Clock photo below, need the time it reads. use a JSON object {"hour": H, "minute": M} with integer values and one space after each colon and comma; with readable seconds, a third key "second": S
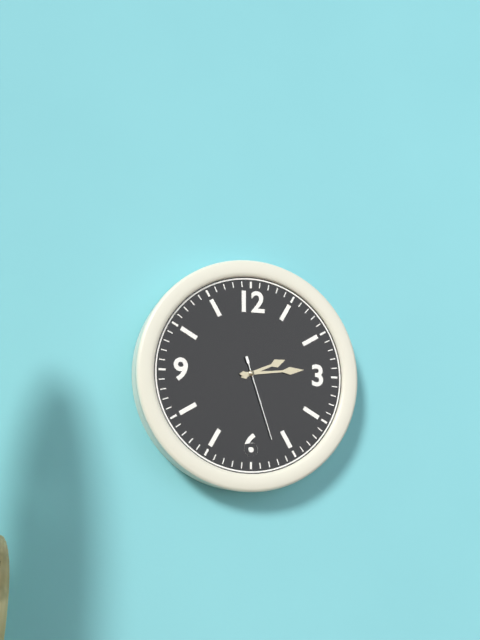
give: {"hour": 2, "minute": 14, "second": 27}
